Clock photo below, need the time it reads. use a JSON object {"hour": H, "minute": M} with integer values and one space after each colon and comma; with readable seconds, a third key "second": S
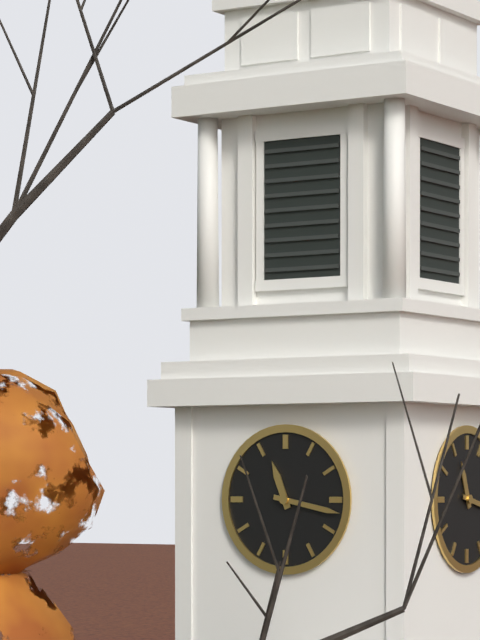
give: {"hour": 11, "minute": 17}
